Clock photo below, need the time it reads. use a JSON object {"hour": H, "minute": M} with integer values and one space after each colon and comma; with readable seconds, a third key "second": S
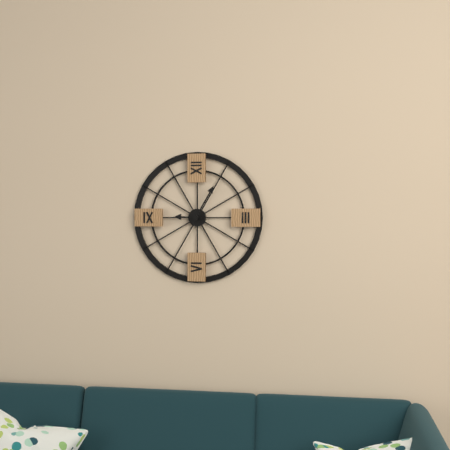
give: {"hour": 9, "minute": 5}
